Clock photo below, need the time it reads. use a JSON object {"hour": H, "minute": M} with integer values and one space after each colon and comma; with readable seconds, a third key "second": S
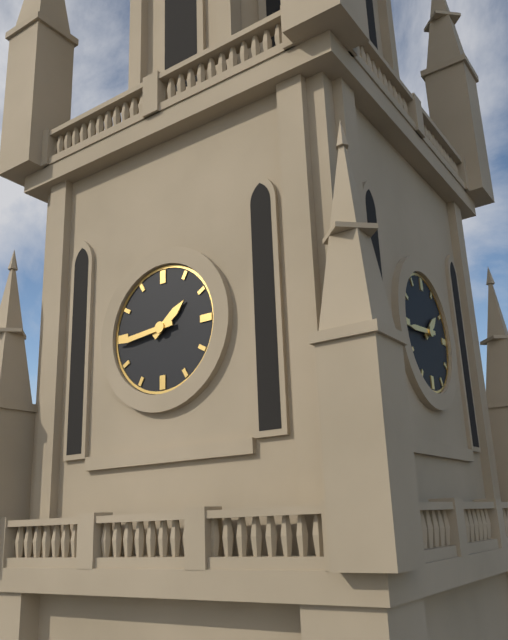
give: {"hour": 1, "minute": 44}
